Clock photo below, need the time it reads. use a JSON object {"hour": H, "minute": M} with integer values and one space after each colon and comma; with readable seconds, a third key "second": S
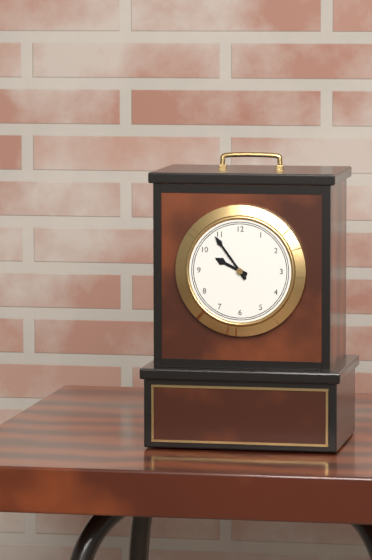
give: {"hour": 9, "minute": 54}
